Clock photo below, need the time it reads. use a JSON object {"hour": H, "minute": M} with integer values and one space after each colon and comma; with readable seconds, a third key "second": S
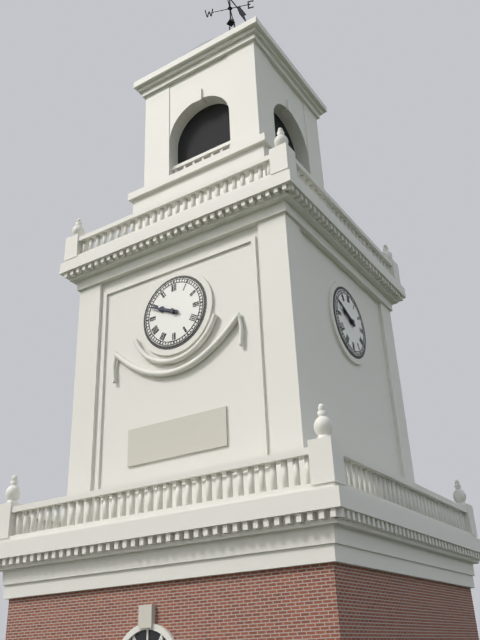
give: {"hour": 9, "minute": 49}
